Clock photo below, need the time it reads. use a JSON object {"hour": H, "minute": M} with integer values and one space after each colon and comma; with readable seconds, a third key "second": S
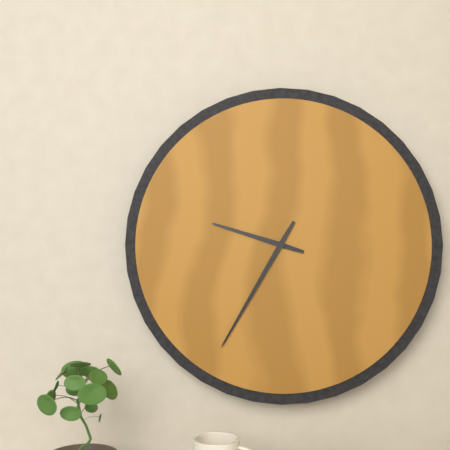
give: {"hour": 9, "minute": 35}
